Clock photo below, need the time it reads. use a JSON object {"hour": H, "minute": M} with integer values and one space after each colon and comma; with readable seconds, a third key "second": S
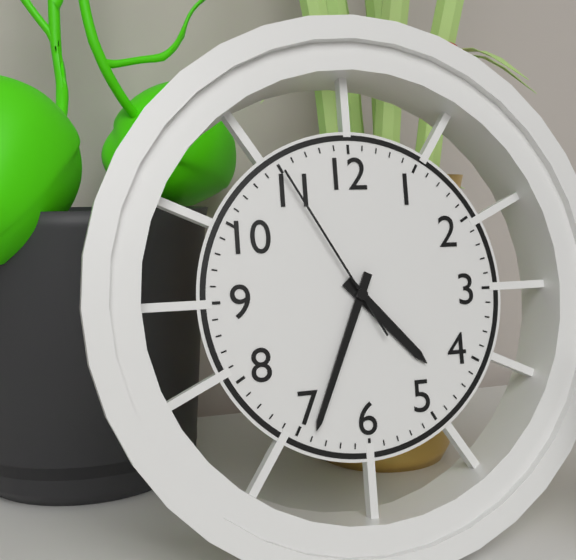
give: {"hour": 4, "minute": 34, "second": 55}
